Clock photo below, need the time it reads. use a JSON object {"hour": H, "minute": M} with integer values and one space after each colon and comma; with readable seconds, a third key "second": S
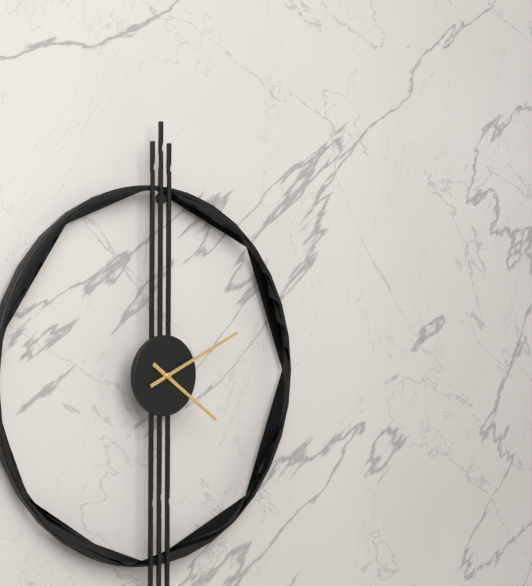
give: {"hour": 4, "minute": 11}
